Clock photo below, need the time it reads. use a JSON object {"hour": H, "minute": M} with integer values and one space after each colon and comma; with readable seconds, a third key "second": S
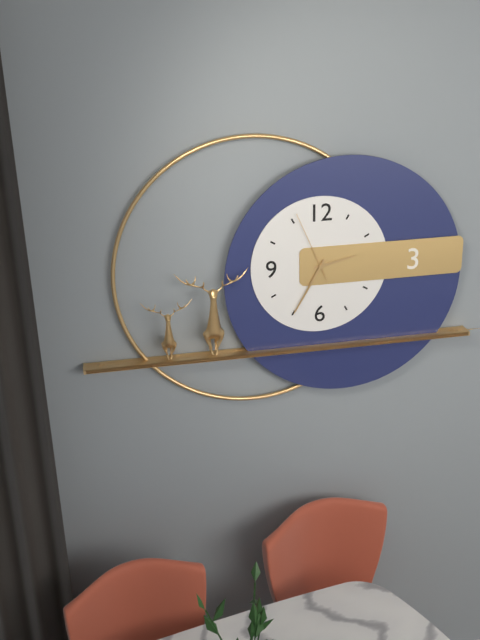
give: {"hour": 2, "minute": 35, "second": 56}
